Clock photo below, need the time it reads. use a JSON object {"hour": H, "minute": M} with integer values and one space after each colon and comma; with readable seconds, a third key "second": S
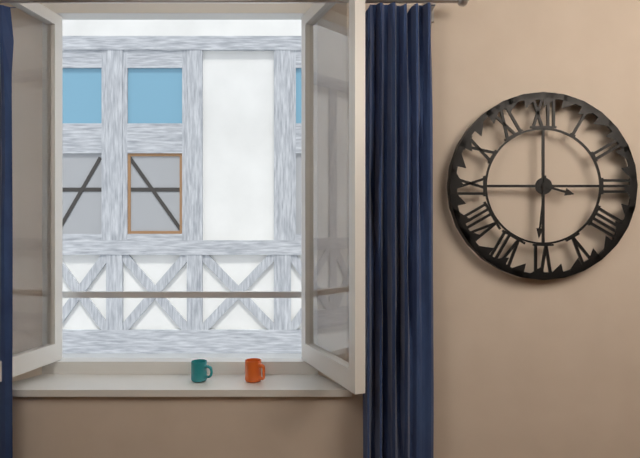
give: {"hour": 3, "minute": 31}
